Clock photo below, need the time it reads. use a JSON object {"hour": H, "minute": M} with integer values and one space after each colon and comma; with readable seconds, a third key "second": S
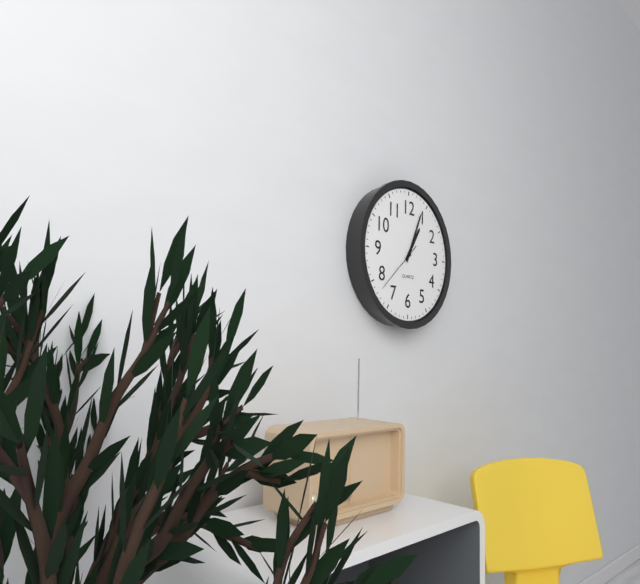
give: {"hour": 1, "minute": 4, "second": 38}
